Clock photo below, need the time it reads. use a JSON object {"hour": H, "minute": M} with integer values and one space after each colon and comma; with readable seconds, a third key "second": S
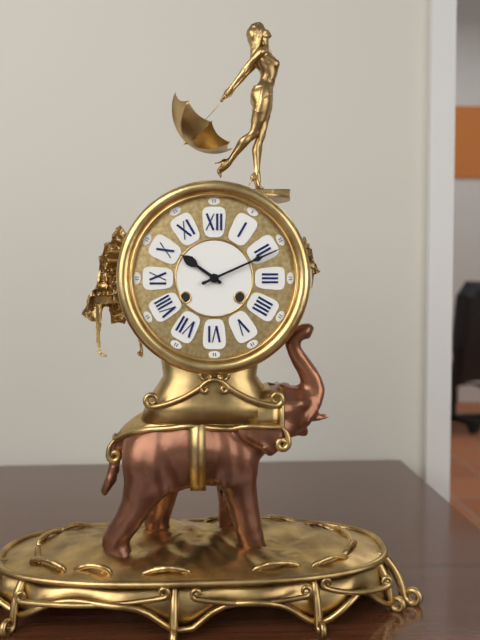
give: {"hour": 10, "minute": 11}
